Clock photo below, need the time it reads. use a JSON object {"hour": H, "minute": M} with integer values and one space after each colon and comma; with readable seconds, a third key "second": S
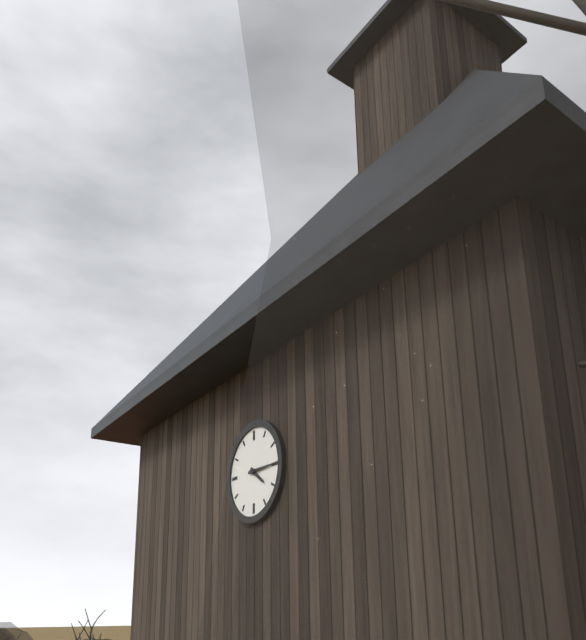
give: {"hour": 4, "minute": 15}
